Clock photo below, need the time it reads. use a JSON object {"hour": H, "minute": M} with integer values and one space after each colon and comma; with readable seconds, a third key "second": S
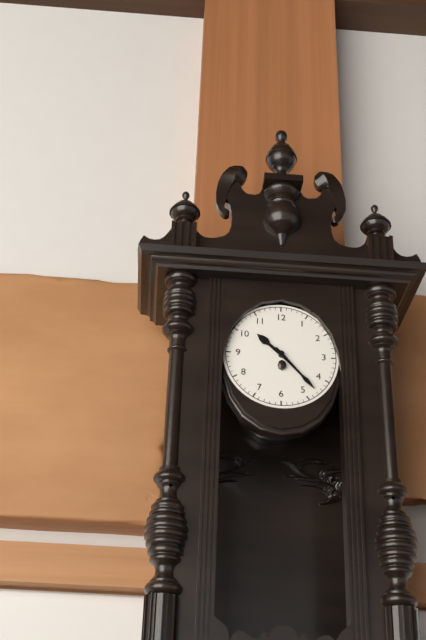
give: {"hour": 10, "minute": 23}
